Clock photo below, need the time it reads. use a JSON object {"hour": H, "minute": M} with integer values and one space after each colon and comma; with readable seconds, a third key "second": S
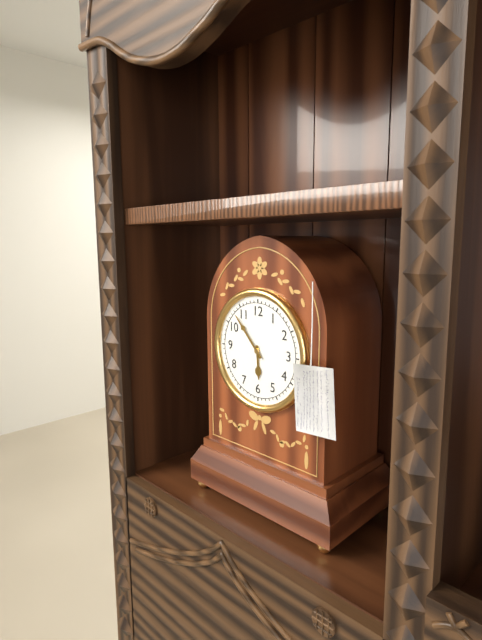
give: {"hour": 5, "minute": 53}
